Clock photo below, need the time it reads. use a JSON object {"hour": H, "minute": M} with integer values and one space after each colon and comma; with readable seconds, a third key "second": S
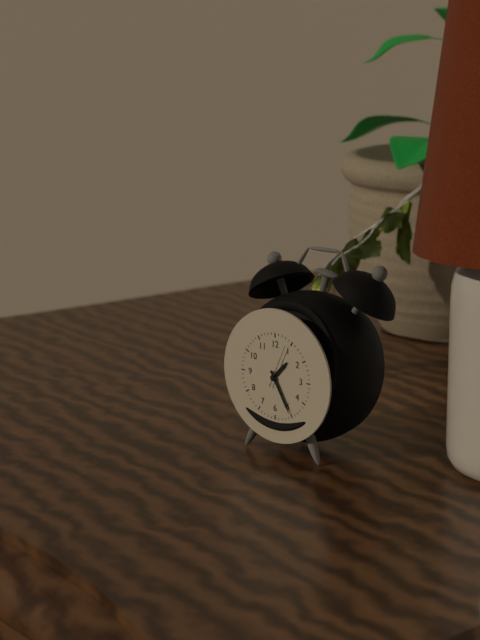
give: {"hour": 1, "minute": 25}
